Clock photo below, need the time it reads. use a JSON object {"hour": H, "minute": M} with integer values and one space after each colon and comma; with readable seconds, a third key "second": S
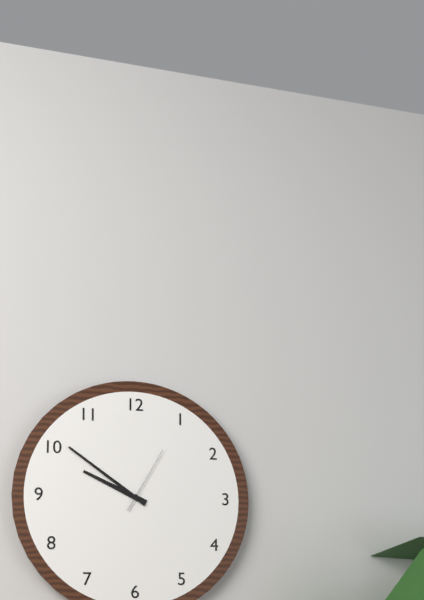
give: {"hour": 9, "minute": 51, "second": 5}
